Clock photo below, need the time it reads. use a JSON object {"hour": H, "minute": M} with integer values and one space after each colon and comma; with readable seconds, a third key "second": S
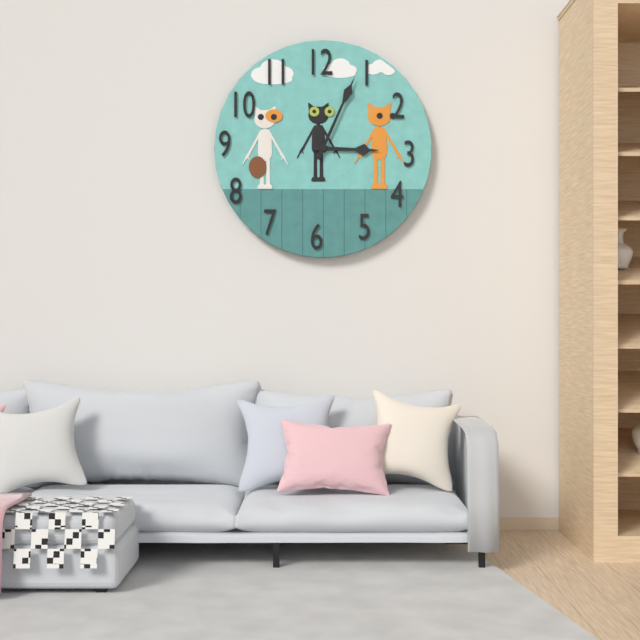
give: {"hour": 3, "minute": 4}
